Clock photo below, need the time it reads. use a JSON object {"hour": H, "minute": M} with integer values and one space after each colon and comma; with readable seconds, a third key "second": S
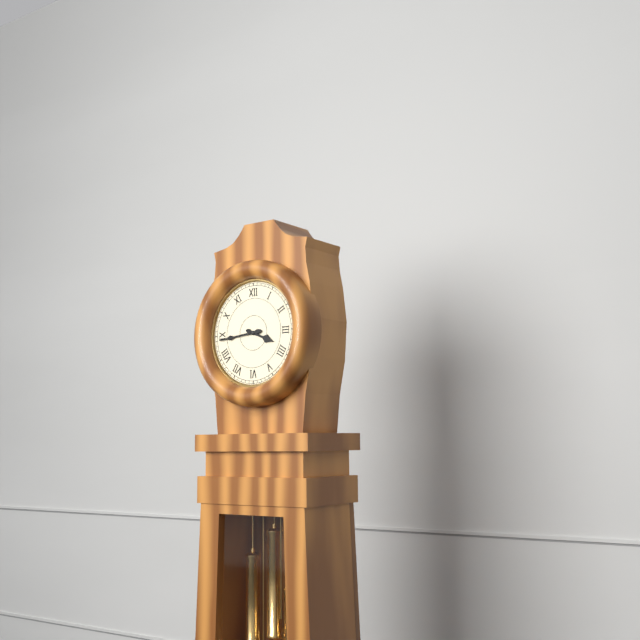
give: {"hour": 3, "minute": 44}
